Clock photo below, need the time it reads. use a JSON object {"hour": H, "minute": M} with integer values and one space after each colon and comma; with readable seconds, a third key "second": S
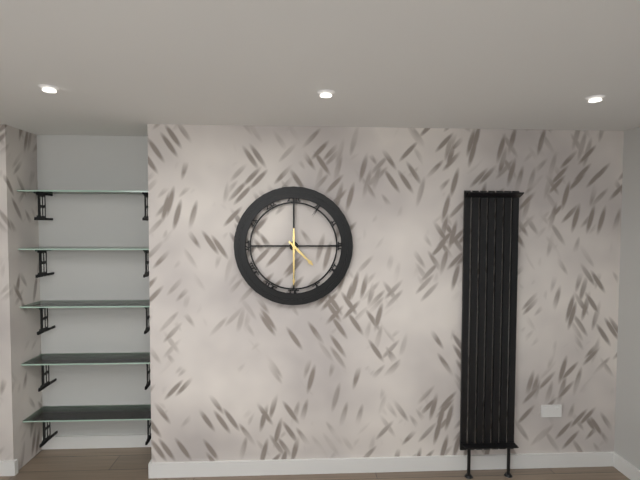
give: {"hour": 4, "minute": 30}
